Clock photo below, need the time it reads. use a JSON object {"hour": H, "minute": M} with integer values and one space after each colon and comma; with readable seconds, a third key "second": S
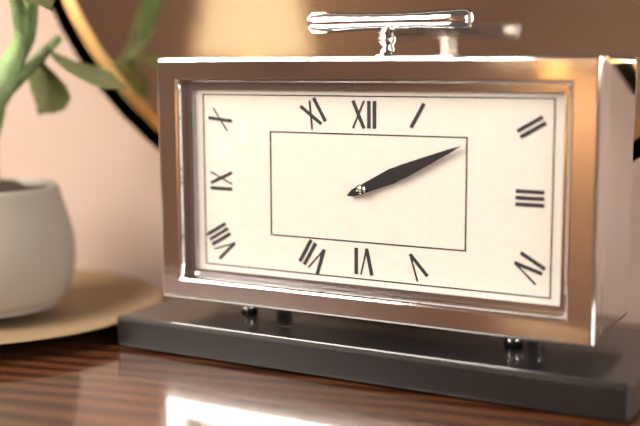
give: {"hour": 2, "minute": 11}
